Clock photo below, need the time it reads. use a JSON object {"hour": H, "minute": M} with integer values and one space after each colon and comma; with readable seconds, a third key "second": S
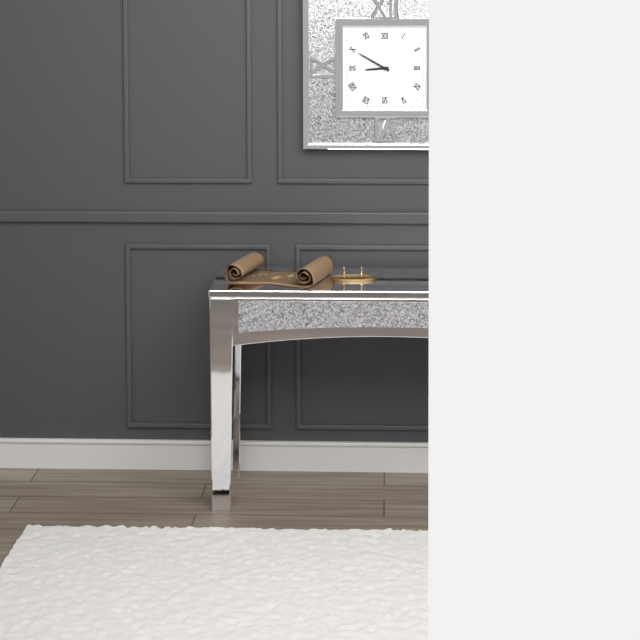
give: {"hour": 8, "minute": 50}
